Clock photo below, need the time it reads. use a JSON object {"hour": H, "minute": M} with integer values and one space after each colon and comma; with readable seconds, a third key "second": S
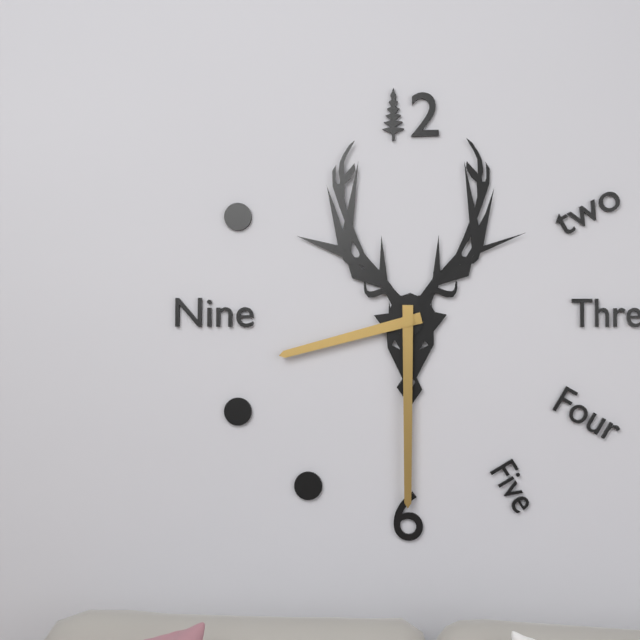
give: {"hour": 8, "minute": 30}
